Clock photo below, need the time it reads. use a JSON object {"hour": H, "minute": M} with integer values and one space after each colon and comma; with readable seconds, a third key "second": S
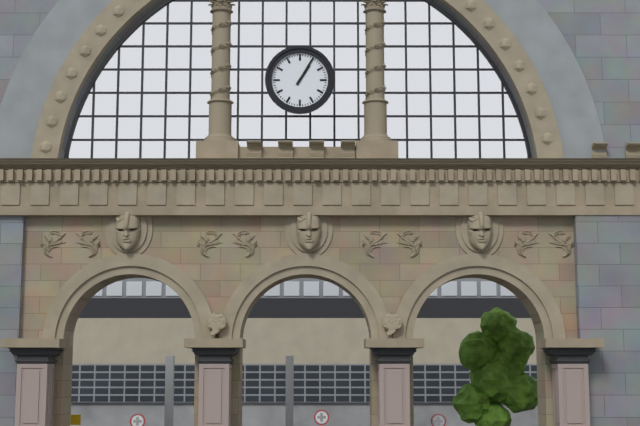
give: {"hour": 1, "minute": 5}
